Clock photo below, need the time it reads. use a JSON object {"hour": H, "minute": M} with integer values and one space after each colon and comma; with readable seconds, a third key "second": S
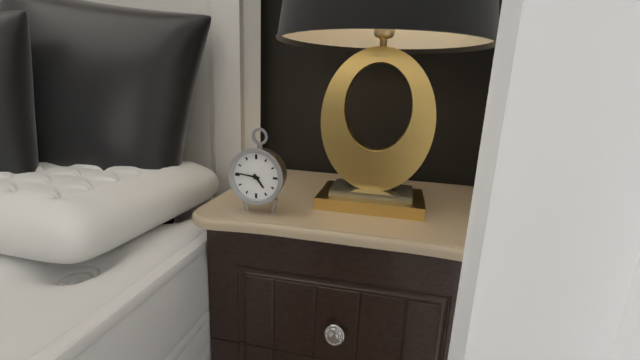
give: {"hour": 4, "minute": 46}
